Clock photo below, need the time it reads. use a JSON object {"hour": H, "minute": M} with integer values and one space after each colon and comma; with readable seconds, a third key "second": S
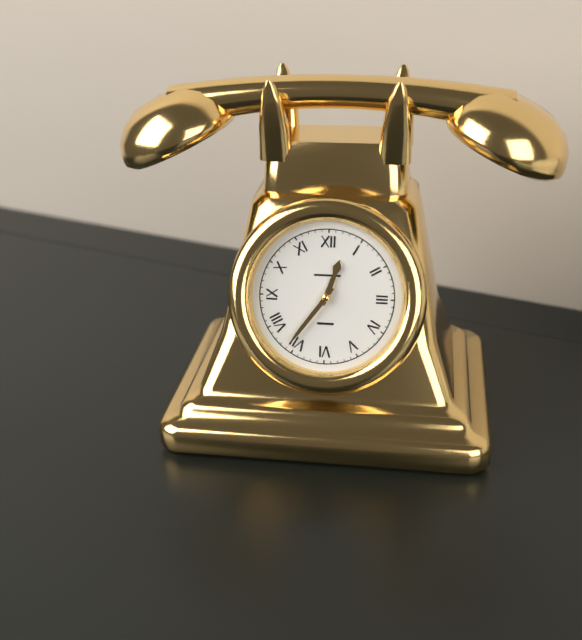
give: {"hour": 12, "minute": 36}
